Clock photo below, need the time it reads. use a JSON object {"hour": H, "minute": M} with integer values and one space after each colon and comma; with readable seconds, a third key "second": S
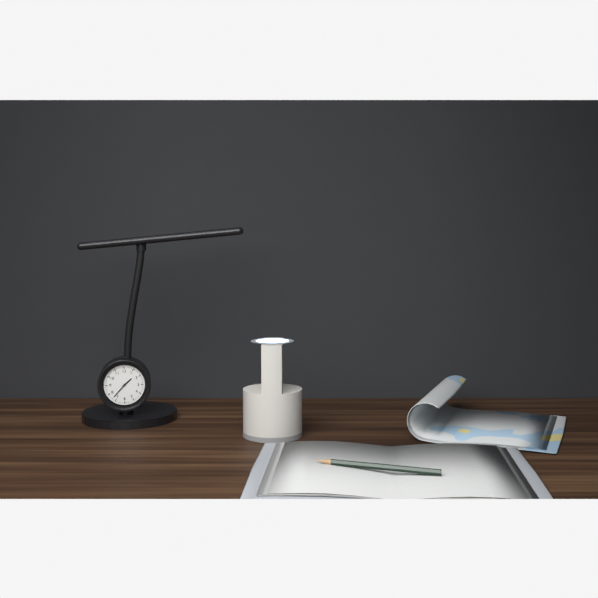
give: {"hour": 1, "minute": 37}
